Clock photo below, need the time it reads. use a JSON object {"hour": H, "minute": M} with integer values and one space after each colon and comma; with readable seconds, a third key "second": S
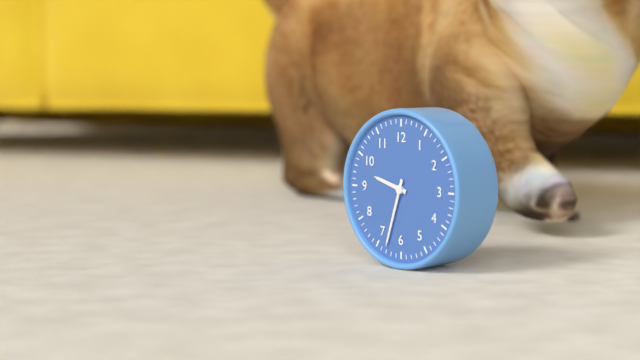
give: {"hour": 9, "minute": 33}
